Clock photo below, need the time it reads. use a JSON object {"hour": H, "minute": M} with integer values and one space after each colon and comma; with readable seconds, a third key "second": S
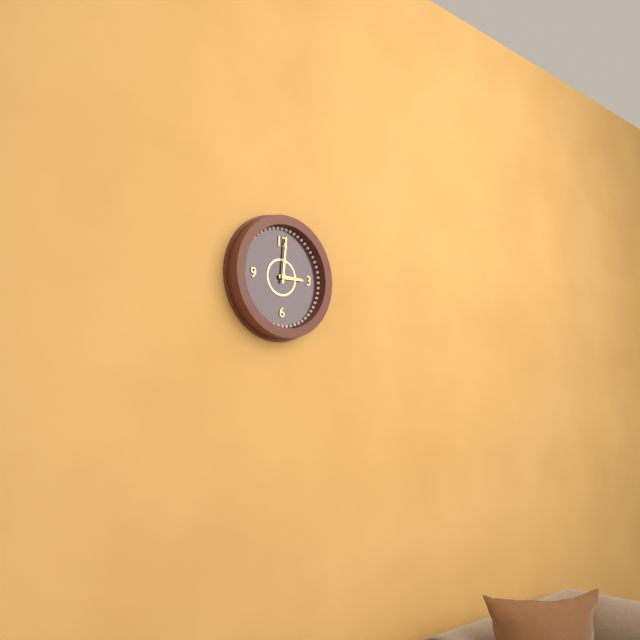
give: {"hour": 3, "minute": 1}
